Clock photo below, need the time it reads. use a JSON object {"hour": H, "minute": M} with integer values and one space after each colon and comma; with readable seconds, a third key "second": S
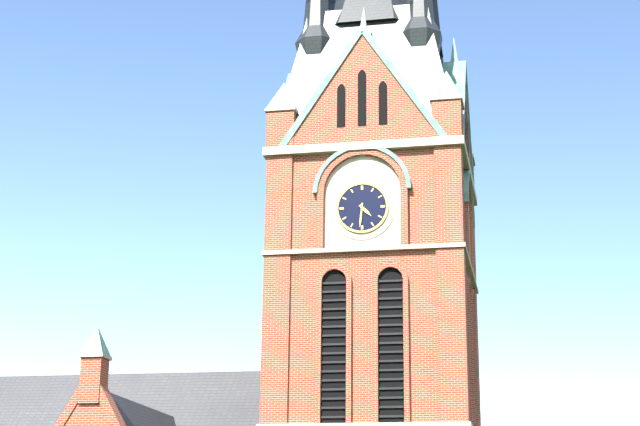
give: {"hour": 4, "minute": 31}
